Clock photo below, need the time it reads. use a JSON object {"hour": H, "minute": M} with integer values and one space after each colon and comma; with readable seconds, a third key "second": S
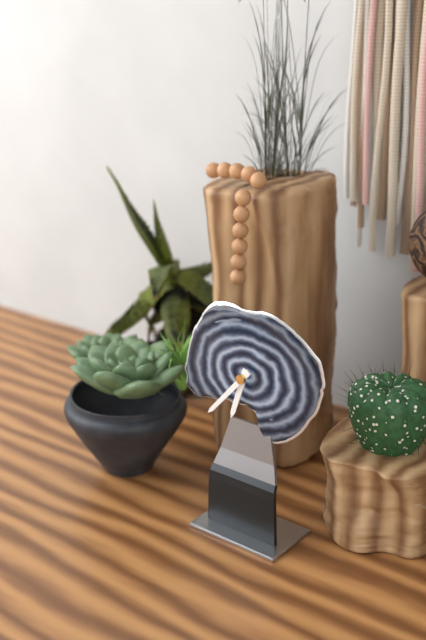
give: {"hour": 6, "minute": 37}
